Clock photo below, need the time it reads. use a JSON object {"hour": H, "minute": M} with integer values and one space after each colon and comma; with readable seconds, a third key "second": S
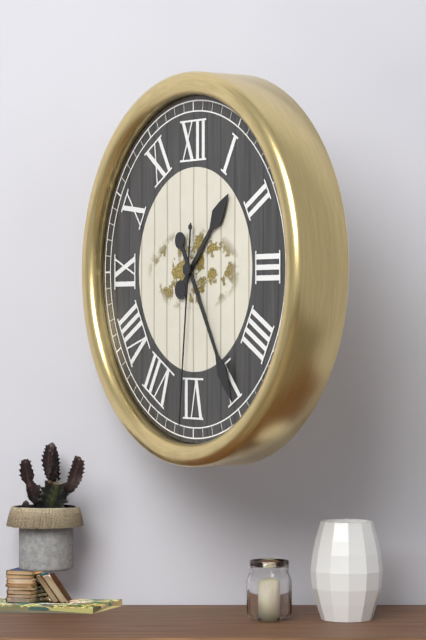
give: {"hour": 1, "minute": 25, "second": 31}
